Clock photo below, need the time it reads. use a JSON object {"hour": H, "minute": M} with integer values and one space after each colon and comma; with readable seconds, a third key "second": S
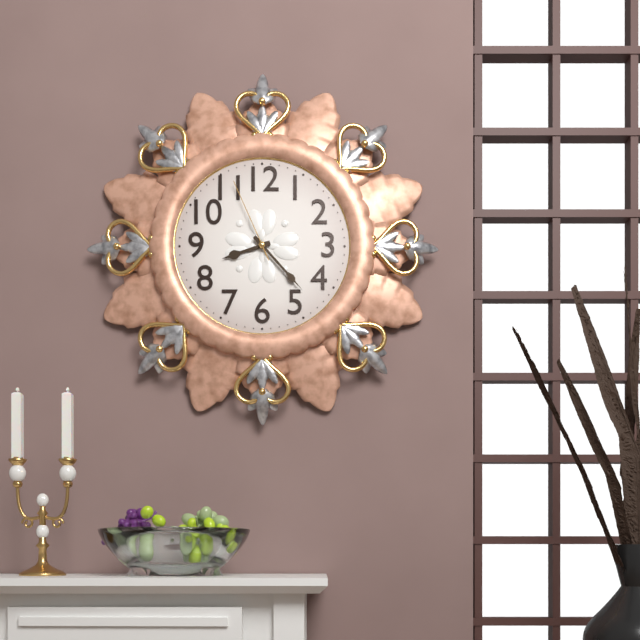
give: {"hour": 8, "minute": 23, "second": 56}
